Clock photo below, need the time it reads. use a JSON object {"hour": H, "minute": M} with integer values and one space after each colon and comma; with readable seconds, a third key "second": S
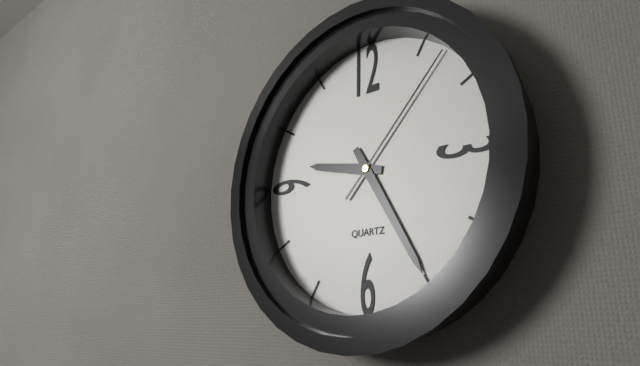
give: {"hour": 9, "minute": 25, "second": 7}
